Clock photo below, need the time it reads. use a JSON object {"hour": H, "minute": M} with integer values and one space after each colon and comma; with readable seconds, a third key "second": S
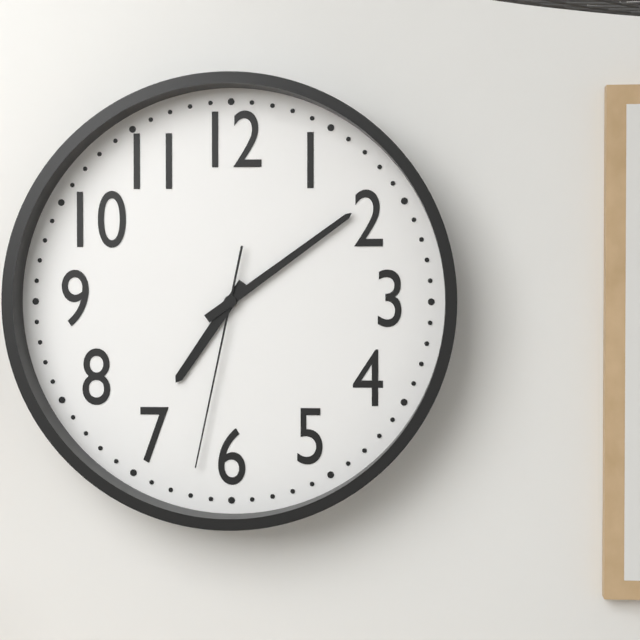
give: {"hour": 7, "minute": 9, "second": 32}
